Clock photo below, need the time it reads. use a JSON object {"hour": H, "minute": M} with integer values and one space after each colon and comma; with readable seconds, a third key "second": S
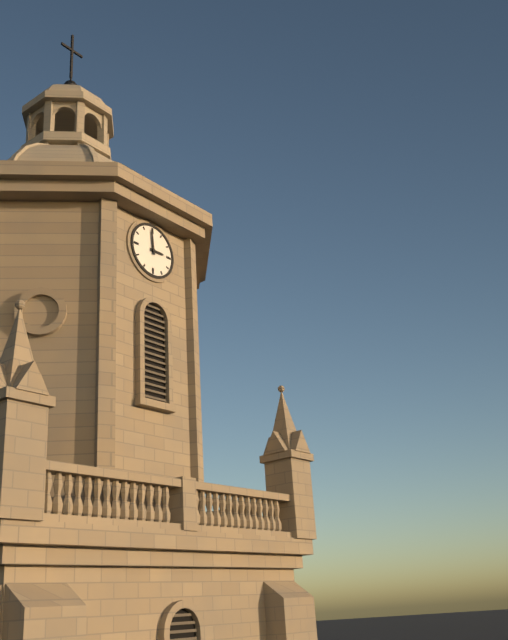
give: {"hour": 2, "minute": 59}
